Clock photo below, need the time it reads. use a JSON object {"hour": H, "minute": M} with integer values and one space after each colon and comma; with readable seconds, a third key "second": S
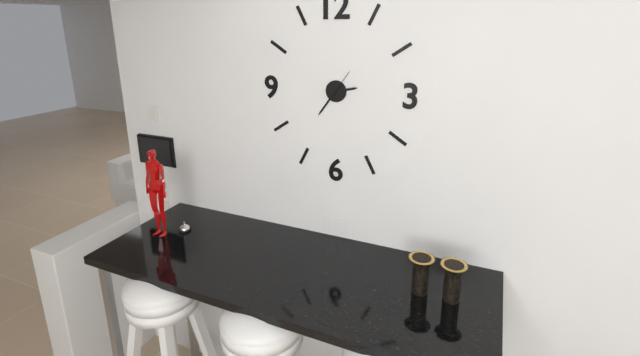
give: {"hour": 2, "minute": 36}
